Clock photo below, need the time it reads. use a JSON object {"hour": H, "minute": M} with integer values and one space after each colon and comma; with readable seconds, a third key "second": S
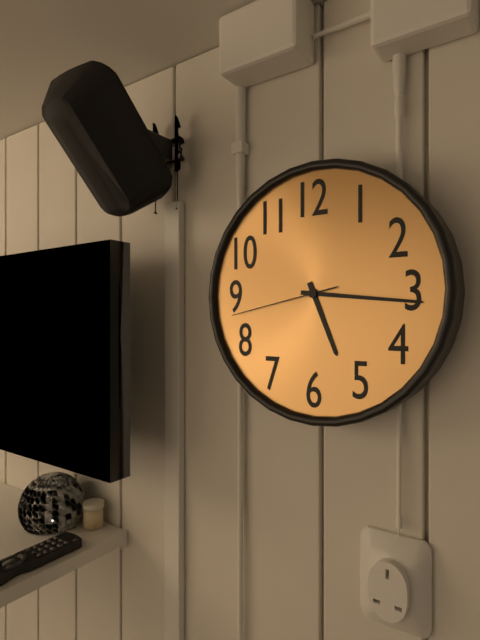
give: {"hour": 5, "minute": 16, "second": 43}
